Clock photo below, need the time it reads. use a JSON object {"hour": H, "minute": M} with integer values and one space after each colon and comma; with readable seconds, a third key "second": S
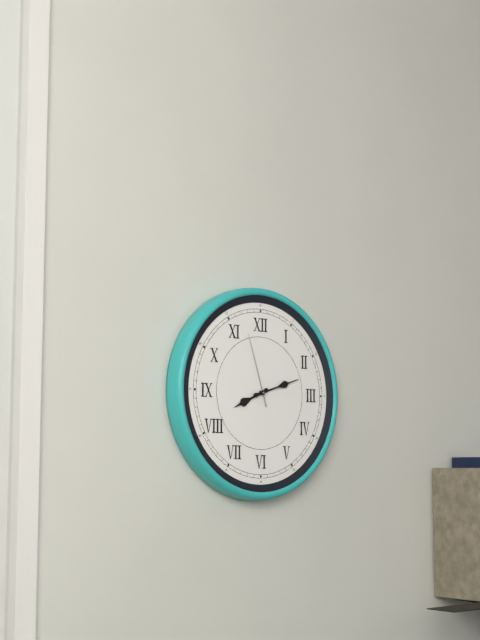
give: {"hour": 8, "minute": 12, "second": 57}
